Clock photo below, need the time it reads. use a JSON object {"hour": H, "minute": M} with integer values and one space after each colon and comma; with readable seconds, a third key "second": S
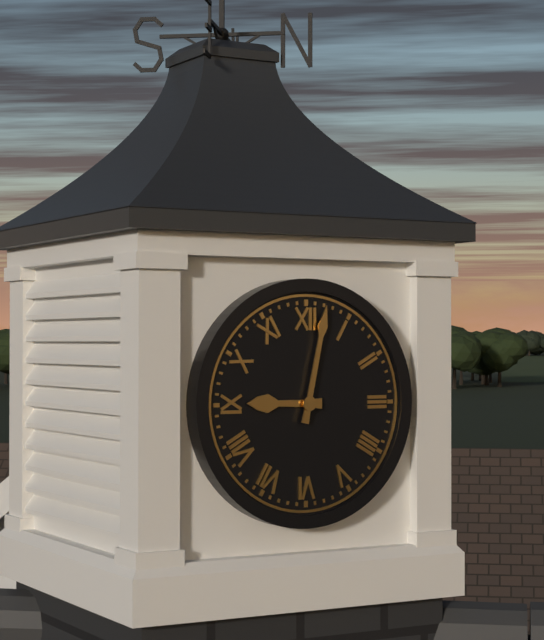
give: {"hour": 9, "minute": 2}
